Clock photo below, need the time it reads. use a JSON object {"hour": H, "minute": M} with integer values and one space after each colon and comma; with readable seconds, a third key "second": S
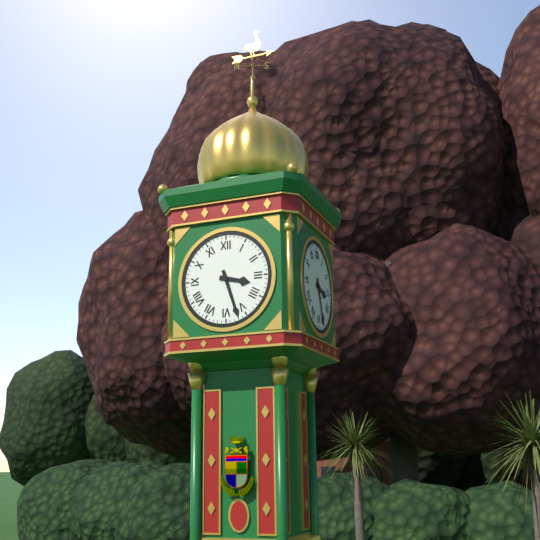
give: {"hour": 3, "minute": 27}
